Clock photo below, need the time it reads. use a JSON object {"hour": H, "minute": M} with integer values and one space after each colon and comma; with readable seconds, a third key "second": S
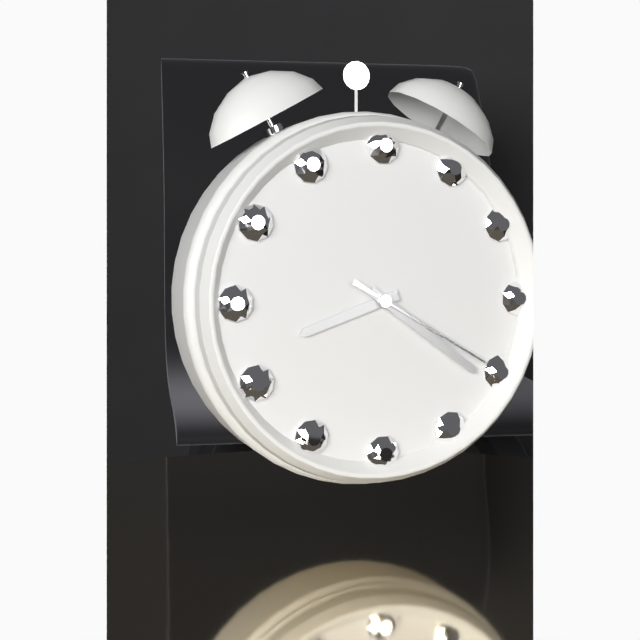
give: {"hour": 8, "minute": 21, "second": 20}
